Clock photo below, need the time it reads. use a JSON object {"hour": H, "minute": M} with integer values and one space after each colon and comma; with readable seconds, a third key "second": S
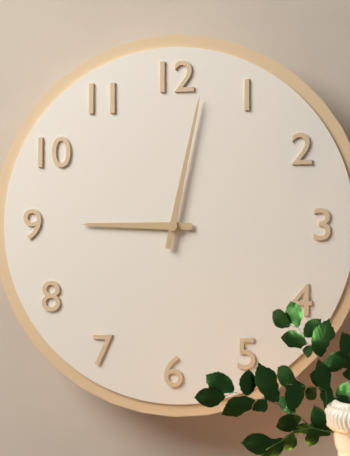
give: {"hour": 9, "minute": 2}
